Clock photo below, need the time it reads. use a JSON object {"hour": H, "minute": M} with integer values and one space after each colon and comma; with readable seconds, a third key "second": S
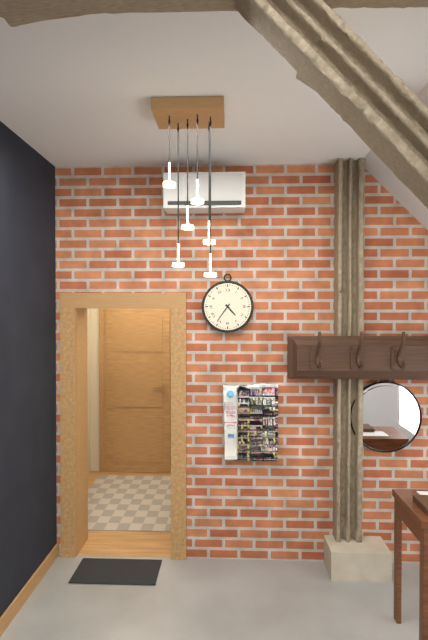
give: {"hour": 4, "minute": 36}
